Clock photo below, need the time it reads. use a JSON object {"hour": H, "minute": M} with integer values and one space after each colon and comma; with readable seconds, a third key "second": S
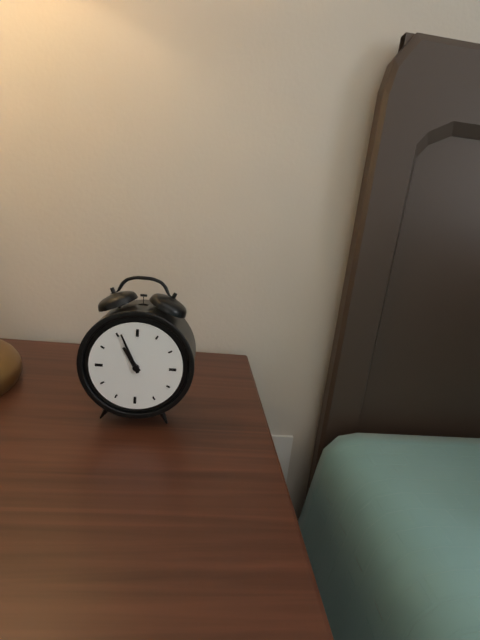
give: {"hour": 10, "minute": 56}
